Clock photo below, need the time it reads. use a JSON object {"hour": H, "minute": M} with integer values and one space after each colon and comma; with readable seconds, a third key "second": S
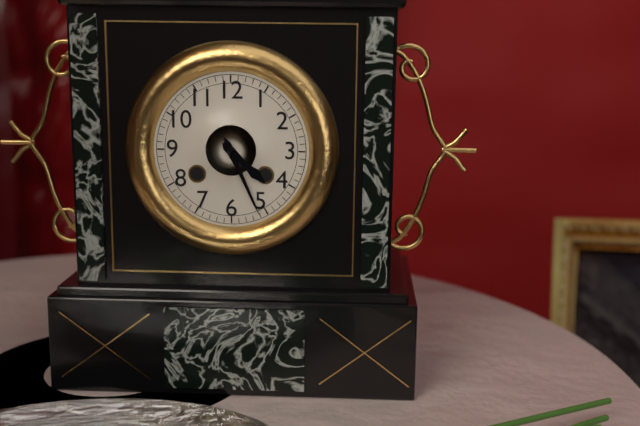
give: {"hour": 4, "minute": 26}
